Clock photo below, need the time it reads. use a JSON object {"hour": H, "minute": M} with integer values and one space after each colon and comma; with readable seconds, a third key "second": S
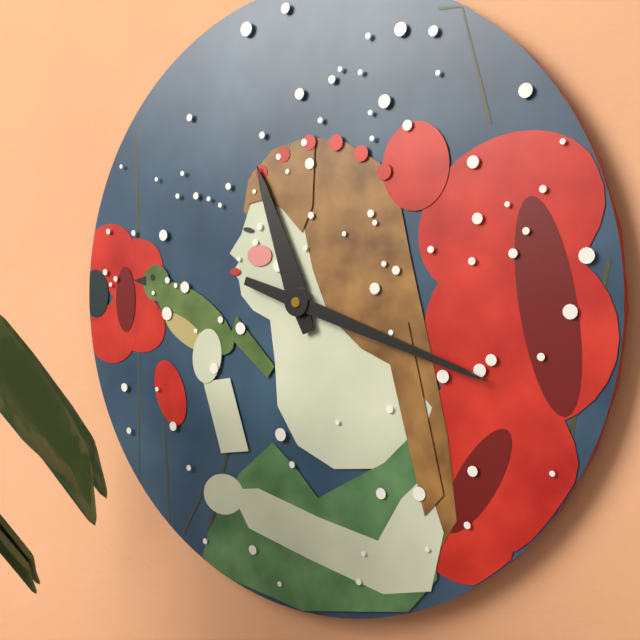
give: {"hour": 11, "minute": 18}
